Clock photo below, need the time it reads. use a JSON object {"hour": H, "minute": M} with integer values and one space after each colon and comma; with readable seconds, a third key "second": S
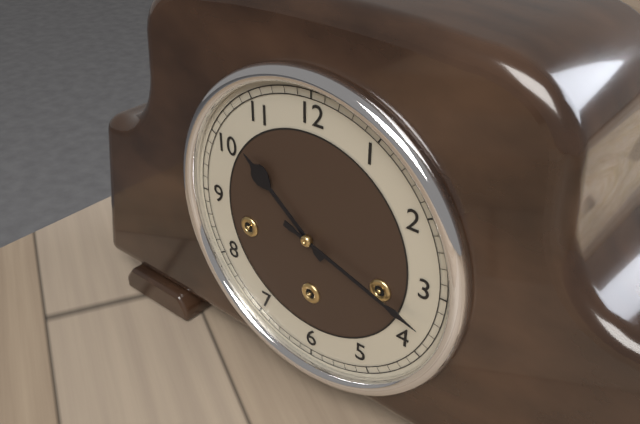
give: {"hour": 10, "minute": 18}
